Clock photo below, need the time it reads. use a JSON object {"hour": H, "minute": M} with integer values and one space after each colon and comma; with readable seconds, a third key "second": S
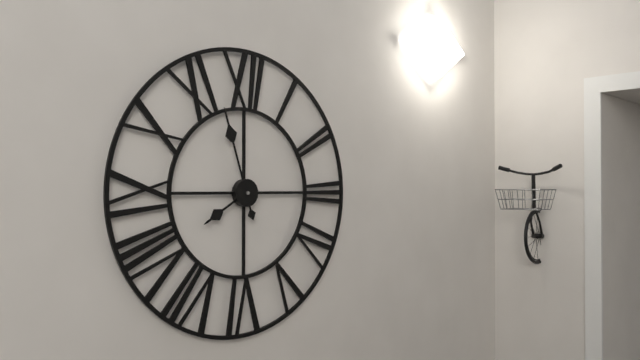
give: {"hour": 7, "minute": 57}
